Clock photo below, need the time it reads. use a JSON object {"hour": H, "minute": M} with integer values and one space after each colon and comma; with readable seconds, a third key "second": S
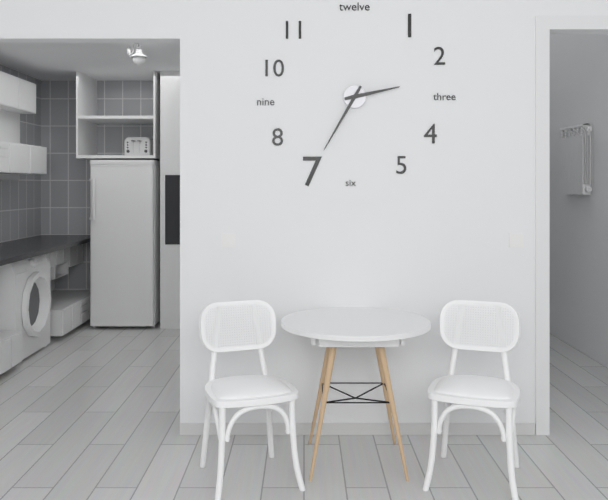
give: {"hour": 2, "minute": 35}
